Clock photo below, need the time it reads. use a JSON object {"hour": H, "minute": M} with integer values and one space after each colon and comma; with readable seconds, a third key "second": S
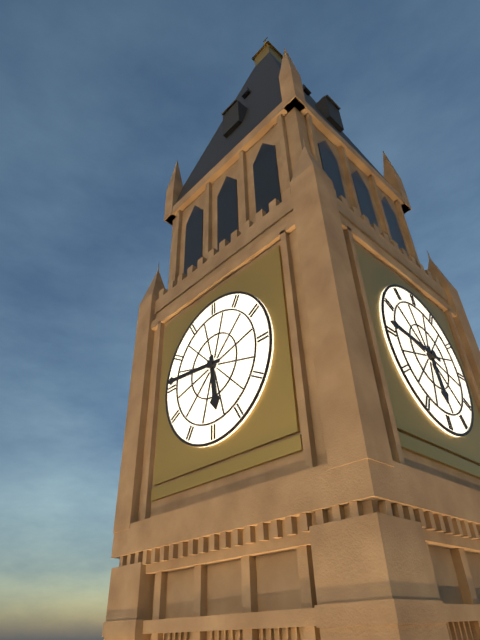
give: {"hour": 5, "minute": 46}
